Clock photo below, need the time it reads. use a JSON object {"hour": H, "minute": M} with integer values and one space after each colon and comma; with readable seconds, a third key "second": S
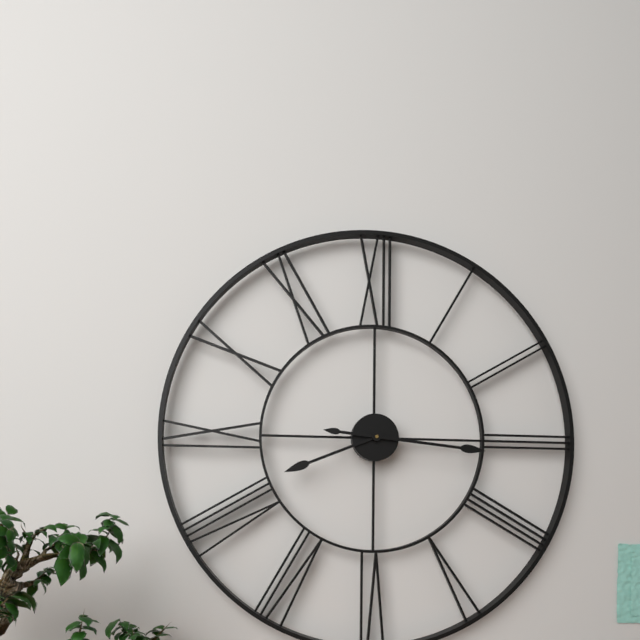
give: {"hour": 8, "minute": 16}
